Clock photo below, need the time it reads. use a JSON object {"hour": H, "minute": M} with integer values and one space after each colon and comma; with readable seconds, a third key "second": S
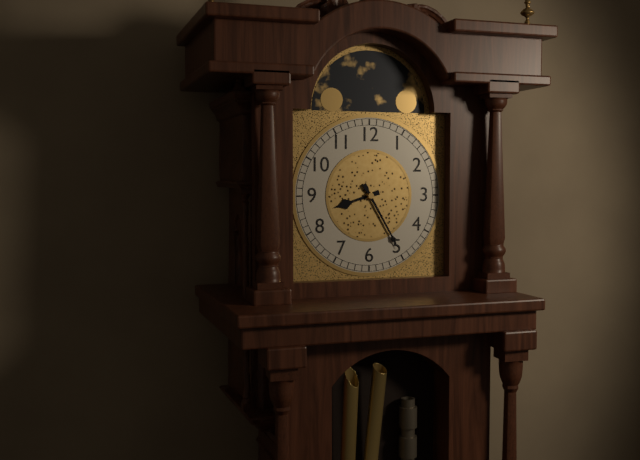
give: {"hour": 8, "minute": 25}
